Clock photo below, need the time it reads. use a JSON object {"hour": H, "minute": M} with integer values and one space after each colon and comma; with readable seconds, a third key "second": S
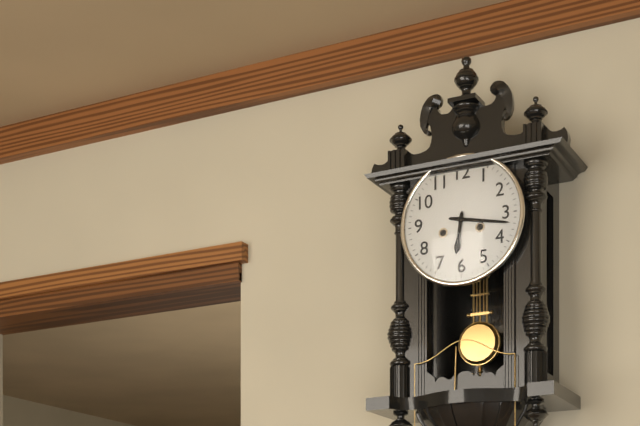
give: {"hour": 6, "minute": 17}
